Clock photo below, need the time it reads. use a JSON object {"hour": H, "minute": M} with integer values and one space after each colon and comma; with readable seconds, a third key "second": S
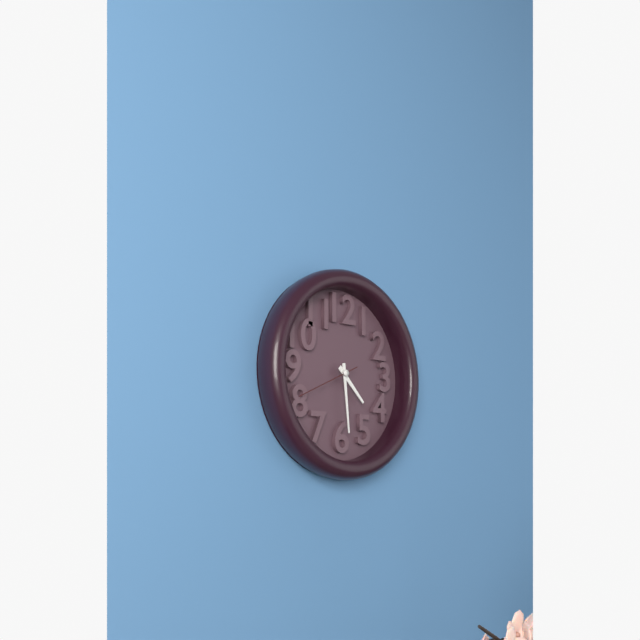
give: {"hour": 4, "minute": 29, "second": 41}
